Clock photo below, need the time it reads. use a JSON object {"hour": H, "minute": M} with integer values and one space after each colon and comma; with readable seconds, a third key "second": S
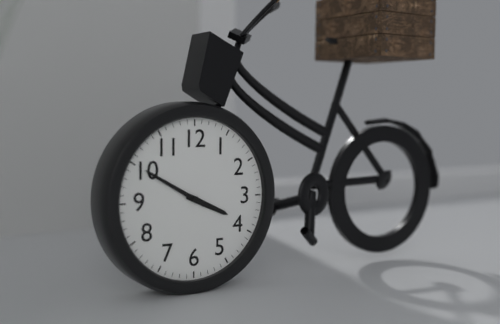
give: {"hour": 3, "minute": 50}
